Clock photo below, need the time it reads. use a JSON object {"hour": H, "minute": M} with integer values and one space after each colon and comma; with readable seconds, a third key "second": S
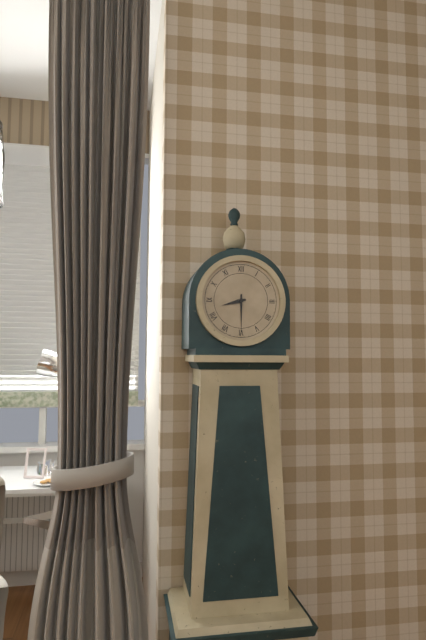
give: {"hour": 8, "minute": 30}
